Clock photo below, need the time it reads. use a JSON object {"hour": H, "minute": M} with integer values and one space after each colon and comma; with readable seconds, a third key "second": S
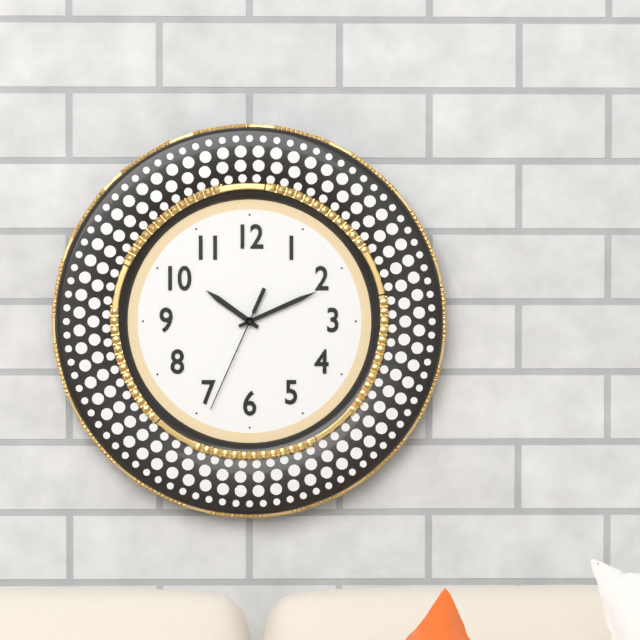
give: {"hour": 10, "minute": 11, "second": 34}
